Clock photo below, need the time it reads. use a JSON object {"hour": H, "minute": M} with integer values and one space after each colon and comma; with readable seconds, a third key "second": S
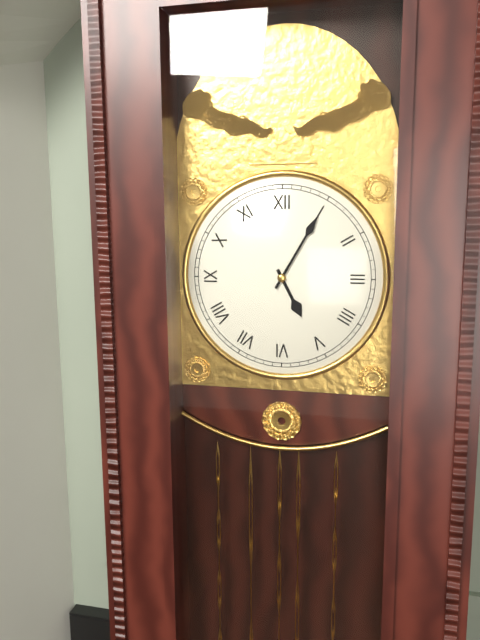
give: {"hour": 5, "minute": 5}
